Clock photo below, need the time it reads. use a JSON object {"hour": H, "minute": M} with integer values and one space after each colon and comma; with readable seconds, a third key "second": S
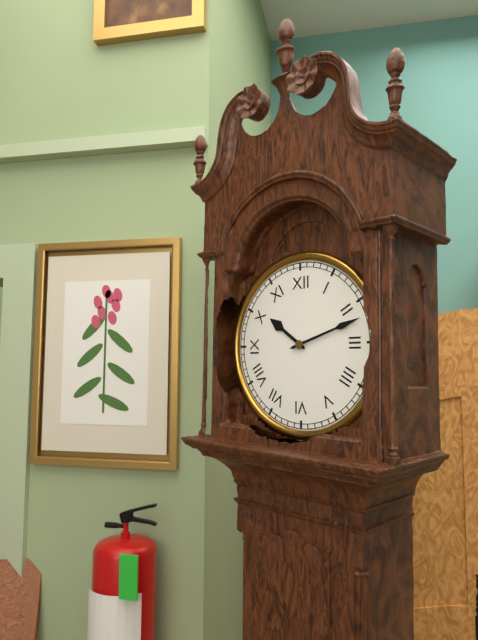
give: {"hour": 10, "minute": 12}
